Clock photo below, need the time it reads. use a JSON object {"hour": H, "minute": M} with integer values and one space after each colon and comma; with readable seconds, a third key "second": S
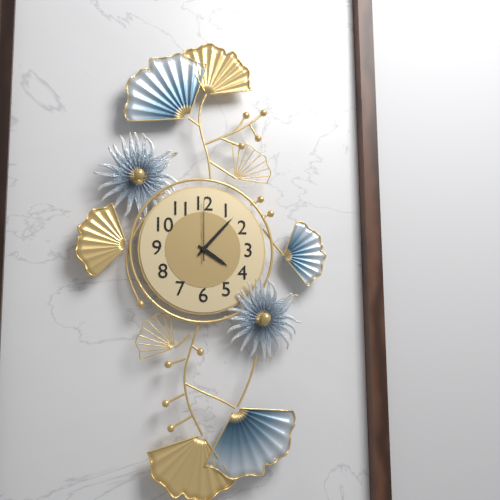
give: {"hour": 4, "minute": 7, "second": 0}
